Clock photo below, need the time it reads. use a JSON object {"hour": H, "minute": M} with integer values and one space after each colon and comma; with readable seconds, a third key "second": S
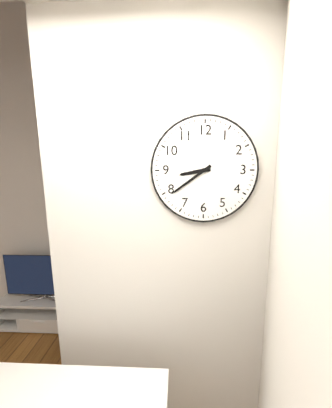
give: {"hour": 8, "minute": 39}
